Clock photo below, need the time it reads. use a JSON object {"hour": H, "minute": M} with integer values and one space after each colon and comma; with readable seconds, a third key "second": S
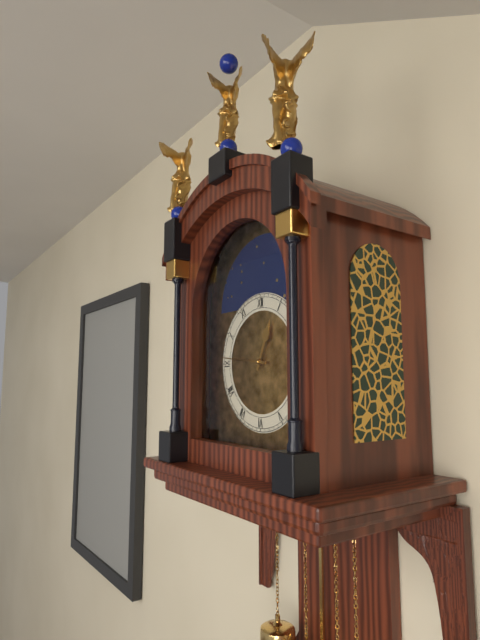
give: {"hour": 12, "minute": 46}
